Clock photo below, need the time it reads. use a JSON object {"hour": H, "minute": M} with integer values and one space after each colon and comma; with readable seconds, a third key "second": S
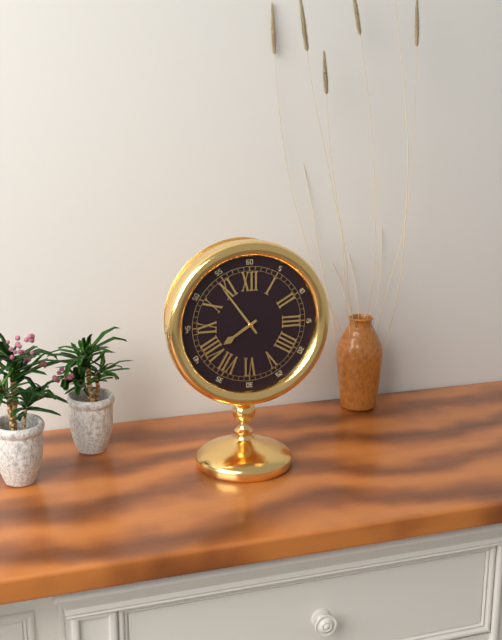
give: {"hour": 7, "minute": 54}
